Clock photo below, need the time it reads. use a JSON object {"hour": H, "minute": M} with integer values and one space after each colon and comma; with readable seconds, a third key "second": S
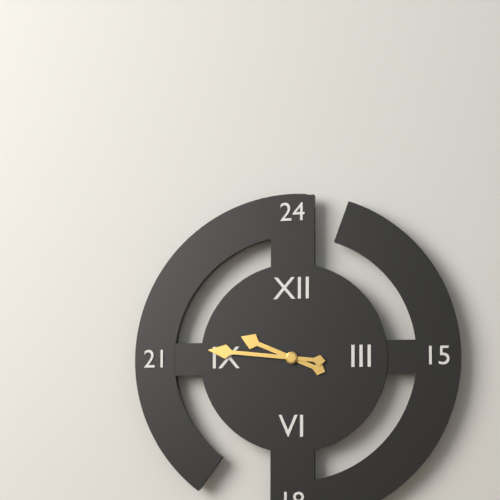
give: {"hour": 9, "minute": 46}
